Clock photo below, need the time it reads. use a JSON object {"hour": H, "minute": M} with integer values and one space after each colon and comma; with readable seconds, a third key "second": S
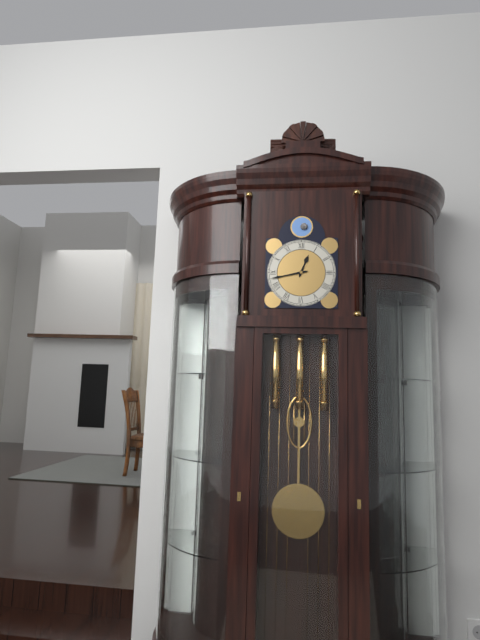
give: {"hour": 12, "minute": 43}
